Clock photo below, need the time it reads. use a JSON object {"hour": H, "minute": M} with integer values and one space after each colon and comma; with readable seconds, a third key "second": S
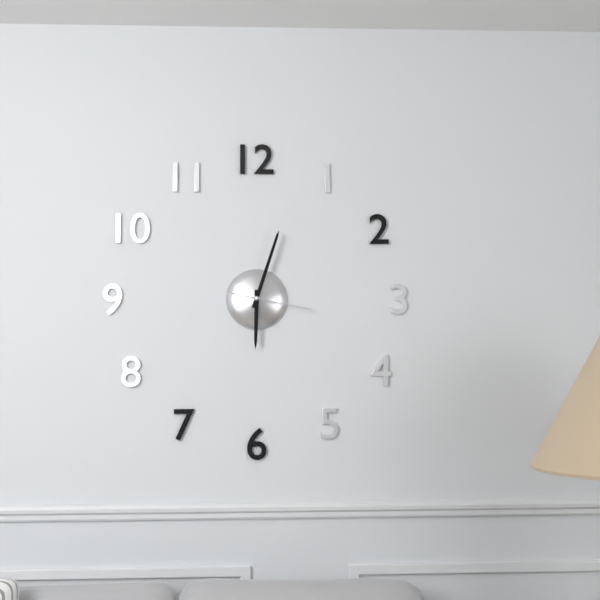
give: {"hour": 6, "minute": 3, "second": 17}
